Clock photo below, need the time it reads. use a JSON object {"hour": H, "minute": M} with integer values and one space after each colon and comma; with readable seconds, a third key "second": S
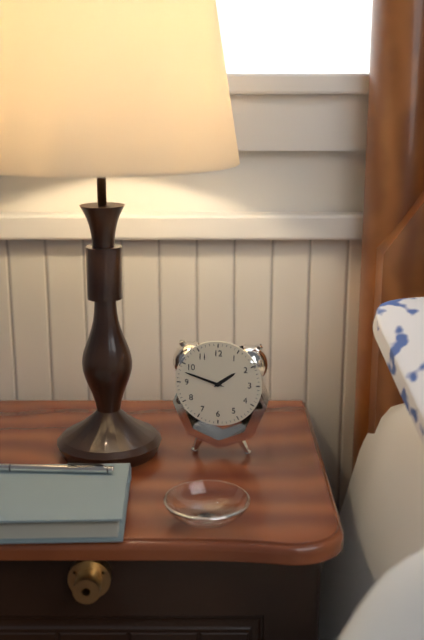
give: {"hour": 1, "minute": 48}
